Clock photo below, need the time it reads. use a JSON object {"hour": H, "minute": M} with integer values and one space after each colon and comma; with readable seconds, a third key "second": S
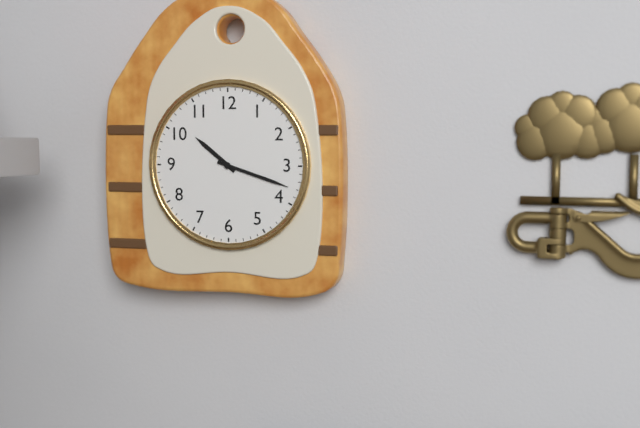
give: {"hour": 10, "minute": 18}
